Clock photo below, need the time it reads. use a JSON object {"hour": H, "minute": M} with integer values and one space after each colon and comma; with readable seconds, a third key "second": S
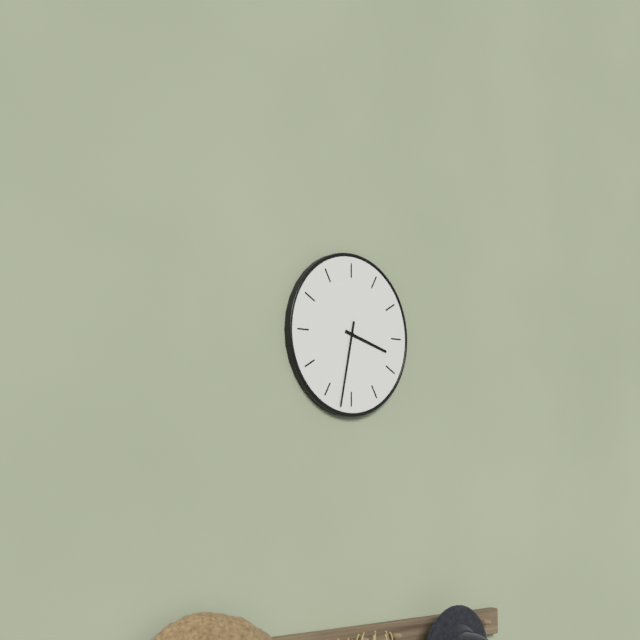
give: {"hour": 3, "minute": 32}
